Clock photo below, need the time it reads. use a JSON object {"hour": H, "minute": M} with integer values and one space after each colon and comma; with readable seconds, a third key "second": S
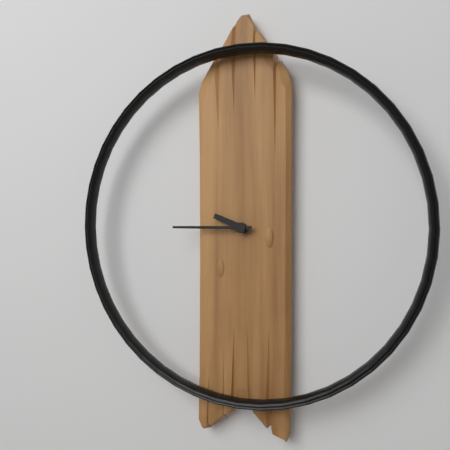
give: {"hour": 9, "minute": 45}
